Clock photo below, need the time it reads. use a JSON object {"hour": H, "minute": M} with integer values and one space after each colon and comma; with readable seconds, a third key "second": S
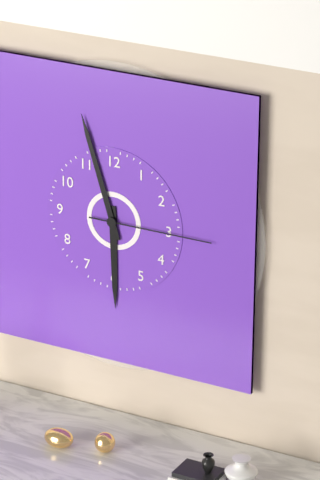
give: {"hour": 5, "minute": 57, "second": 15}
